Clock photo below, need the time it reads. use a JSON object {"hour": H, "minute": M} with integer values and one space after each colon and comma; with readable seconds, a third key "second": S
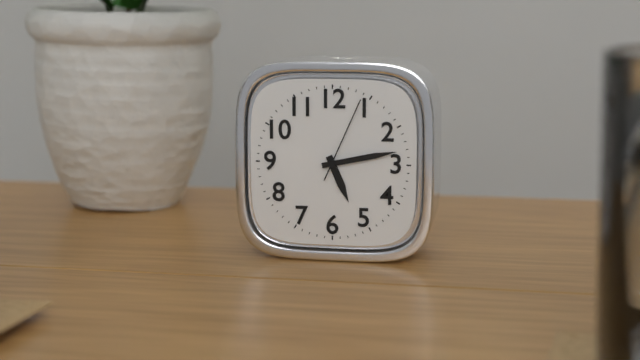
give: {"hour": 5, "minute": 13, "second": 4}
